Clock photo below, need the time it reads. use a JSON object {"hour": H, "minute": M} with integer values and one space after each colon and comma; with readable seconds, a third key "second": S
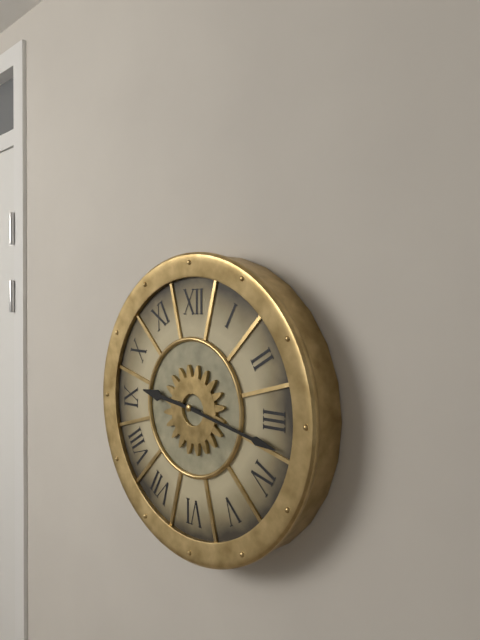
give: {"hour": 9, "minute": 17}
